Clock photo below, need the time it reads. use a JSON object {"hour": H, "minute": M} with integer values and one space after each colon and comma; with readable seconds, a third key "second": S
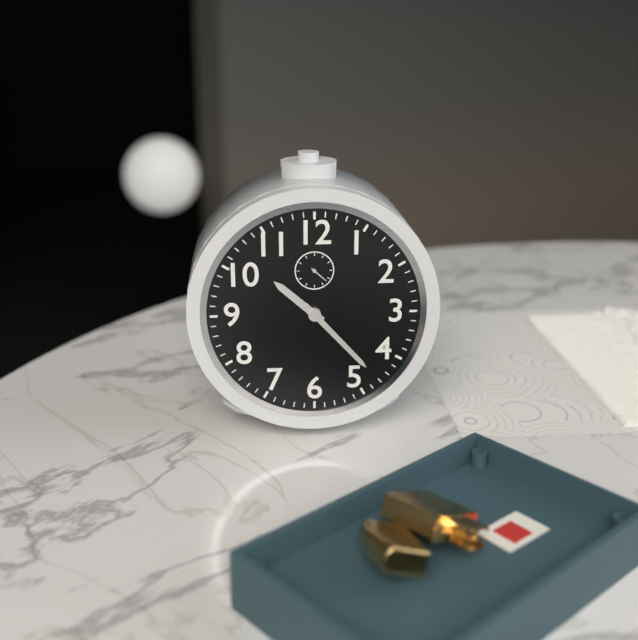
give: {"hour": 10, "minute": 23}
